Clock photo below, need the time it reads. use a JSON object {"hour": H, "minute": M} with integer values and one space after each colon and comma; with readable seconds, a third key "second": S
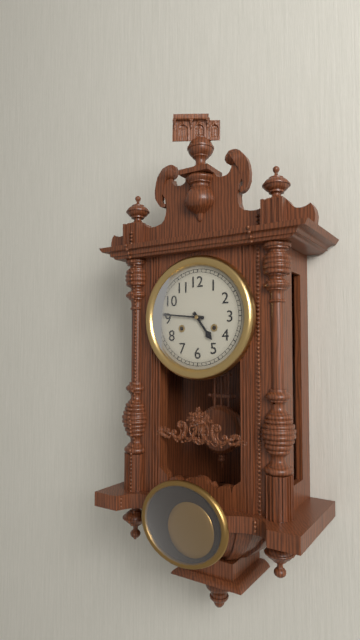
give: {"hour": 4, "minute": 46}
